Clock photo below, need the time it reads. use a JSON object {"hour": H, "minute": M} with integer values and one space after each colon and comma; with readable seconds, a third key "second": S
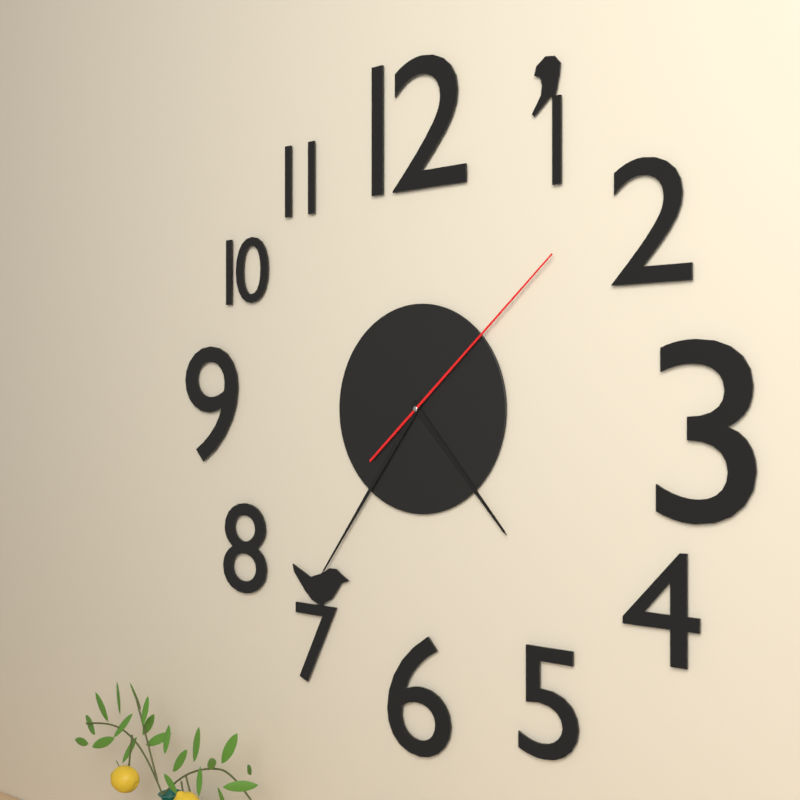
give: {"hour": 4, "minute": 36, "second": 8}
